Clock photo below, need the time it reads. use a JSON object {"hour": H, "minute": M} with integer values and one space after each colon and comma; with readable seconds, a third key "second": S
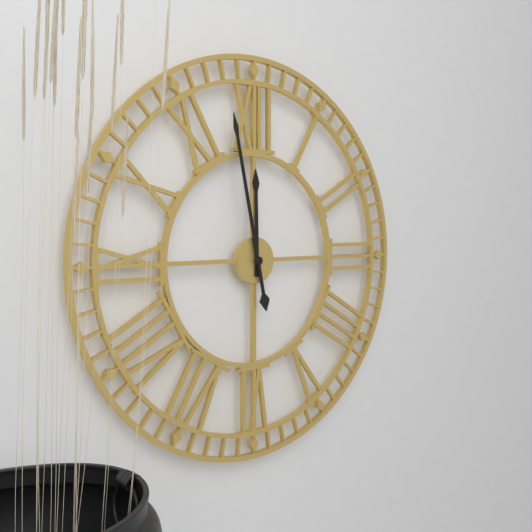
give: {"hour": 11, "minute": 58}
